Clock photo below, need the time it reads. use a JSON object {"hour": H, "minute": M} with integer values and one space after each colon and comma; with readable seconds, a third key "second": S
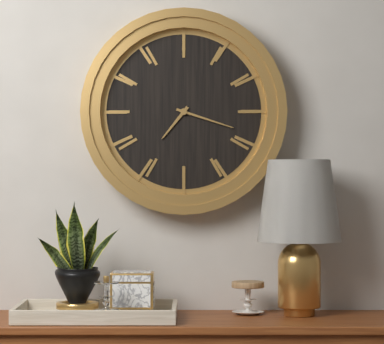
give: {"hour": 7, "minute": 18}
